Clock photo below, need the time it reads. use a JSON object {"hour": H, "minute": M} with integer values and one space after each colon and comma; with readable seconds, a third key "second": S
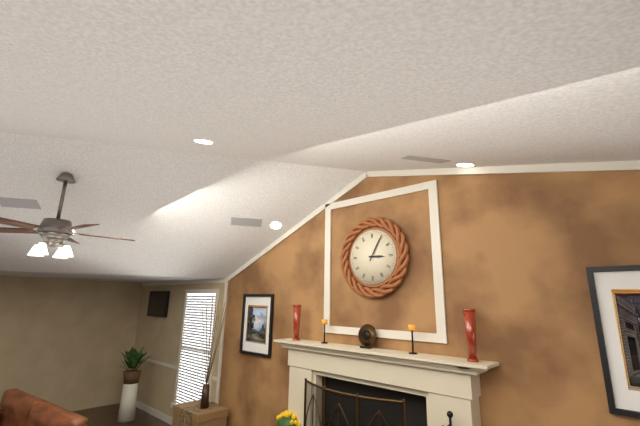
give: {"hour": 3, "minute": 5}
